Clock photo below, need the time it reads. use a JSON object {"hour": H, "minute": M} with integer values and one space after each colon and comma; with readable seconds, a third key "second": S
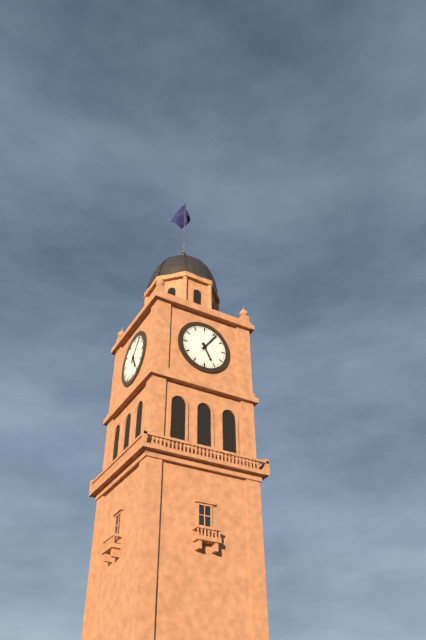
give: {"hour": 5, "minute": 6}
